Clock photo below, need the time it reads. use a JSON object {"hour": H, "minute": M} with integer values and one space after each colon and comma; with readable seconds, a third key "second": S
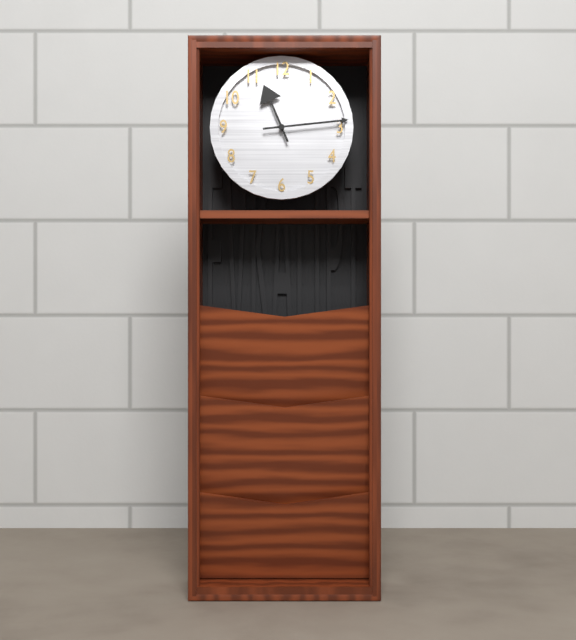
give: {"hour": 11, "minute": 14}
